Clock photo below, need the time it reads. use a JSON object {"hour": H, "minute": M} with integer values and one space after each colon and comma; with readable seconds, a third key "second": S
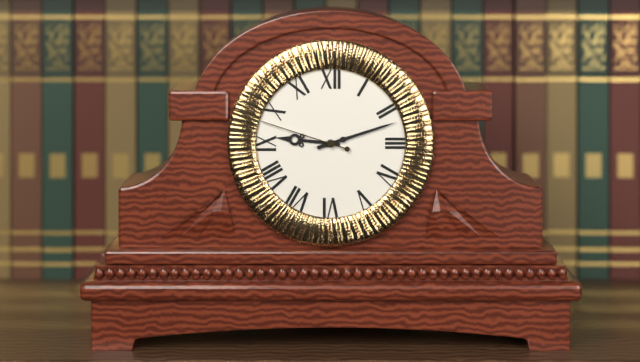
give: {"hour": 9, "minute": 12, "second": 48}
